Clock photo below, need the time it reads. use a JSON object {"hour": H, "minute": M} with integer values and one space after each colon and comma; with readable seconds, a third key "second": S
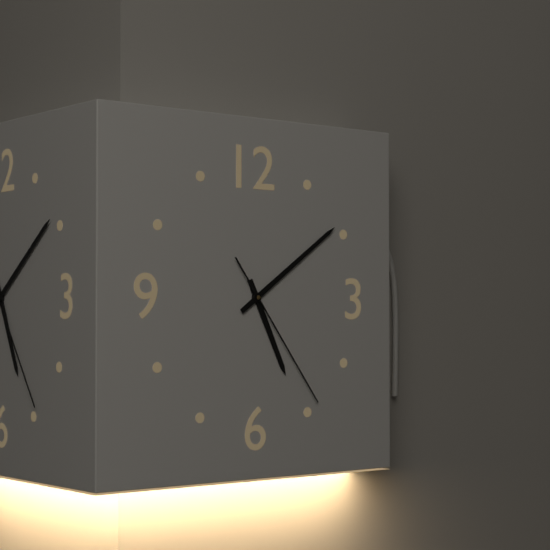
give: {"hour": 5, "minute": 9, "second": 24}
